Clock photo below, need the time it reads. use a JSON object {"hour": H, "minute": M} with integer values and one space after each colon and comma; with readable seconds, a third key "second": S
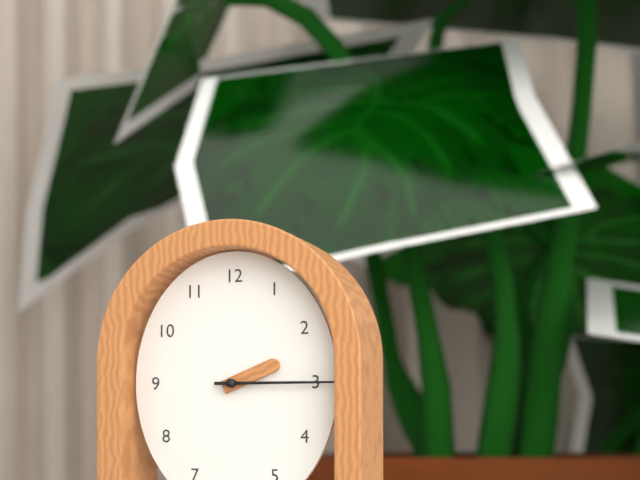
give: {"hour": 2, "minute": 15}
